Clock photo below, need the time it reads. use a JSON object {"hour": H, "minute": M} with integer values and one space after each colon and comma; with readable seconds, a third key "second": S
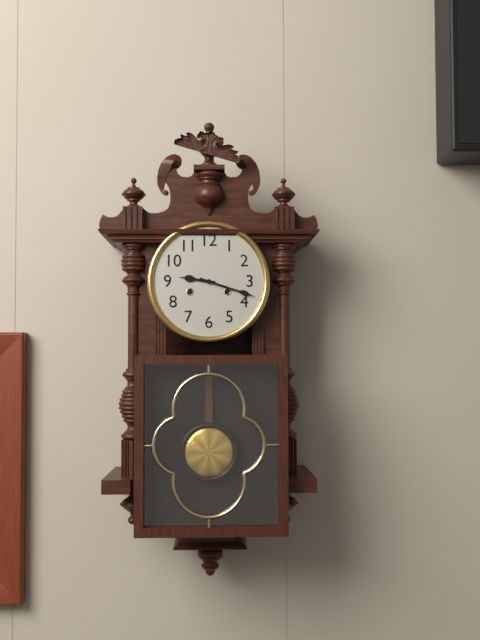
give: {"hour": 9, "minute": 18}
